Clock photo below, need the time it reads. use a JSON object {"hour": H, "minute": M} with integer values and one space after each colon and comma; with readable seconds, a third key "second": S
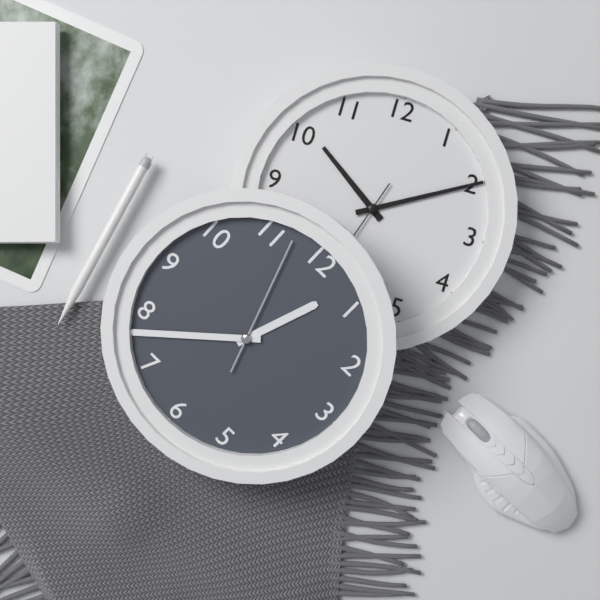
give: {"hour": 12, "minute": 38, "second": 57}
